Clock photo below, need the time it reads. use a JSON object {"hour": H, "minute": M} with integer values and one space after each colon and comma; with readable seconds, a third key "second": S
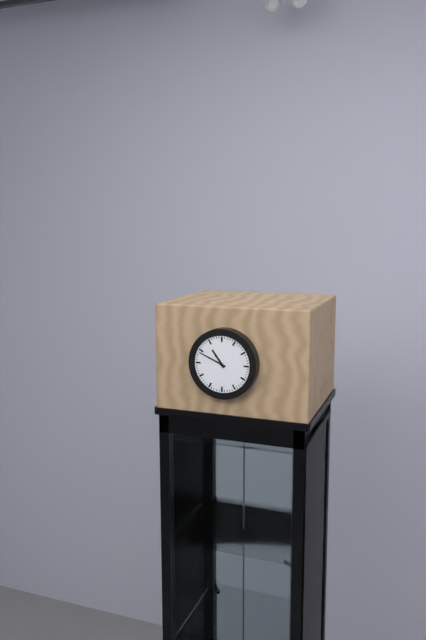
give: {"hour": 10, "minute": 49}
